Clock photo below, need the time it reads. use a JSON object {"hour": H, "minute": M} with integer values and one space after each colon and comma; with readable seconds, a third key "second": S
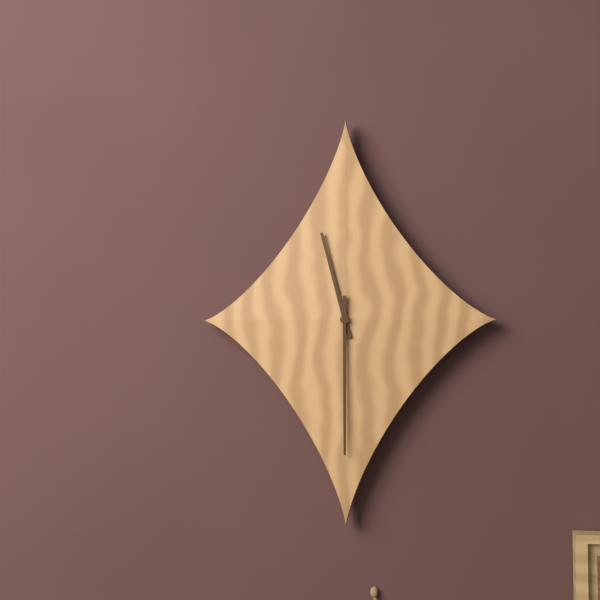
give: {"hour": 11, "minute": 30}
